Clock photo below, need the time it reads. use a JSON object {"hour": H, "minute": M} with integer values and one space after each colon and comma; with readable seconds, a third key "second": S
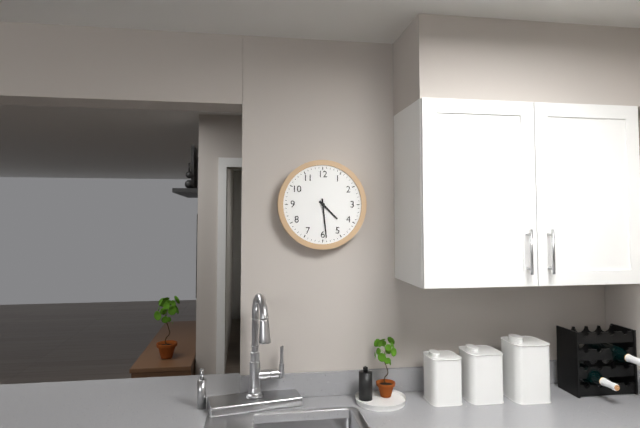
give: {"hour": 4, "minute": 29}
